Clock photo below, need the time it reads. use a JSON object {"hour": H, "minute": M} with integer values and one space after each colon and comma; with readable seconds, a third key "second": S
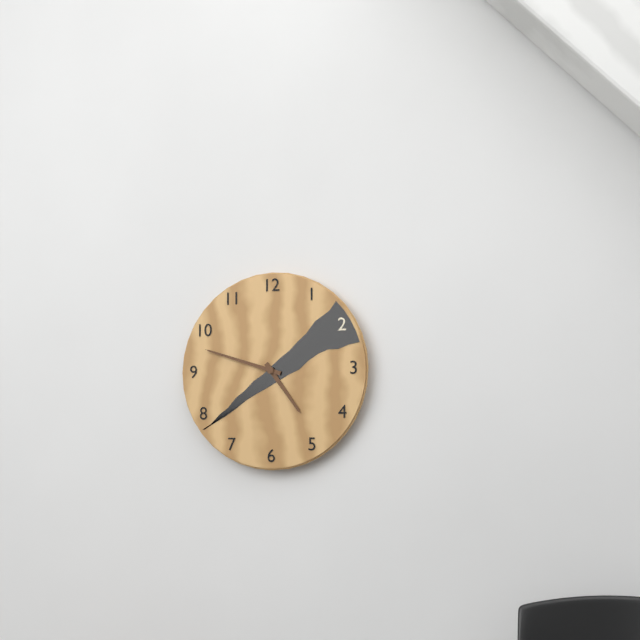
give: {"hour": 4, "minute": 48}
